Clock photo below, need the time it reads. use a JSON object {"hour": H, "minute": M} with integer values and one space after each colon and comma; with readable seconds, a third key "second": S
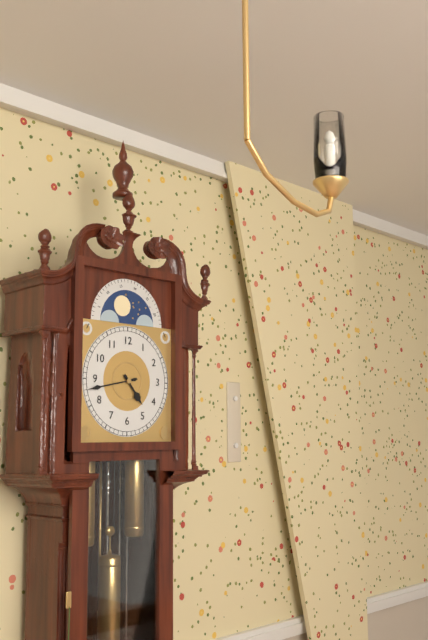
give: {"hour": 4, "minute": 43}
